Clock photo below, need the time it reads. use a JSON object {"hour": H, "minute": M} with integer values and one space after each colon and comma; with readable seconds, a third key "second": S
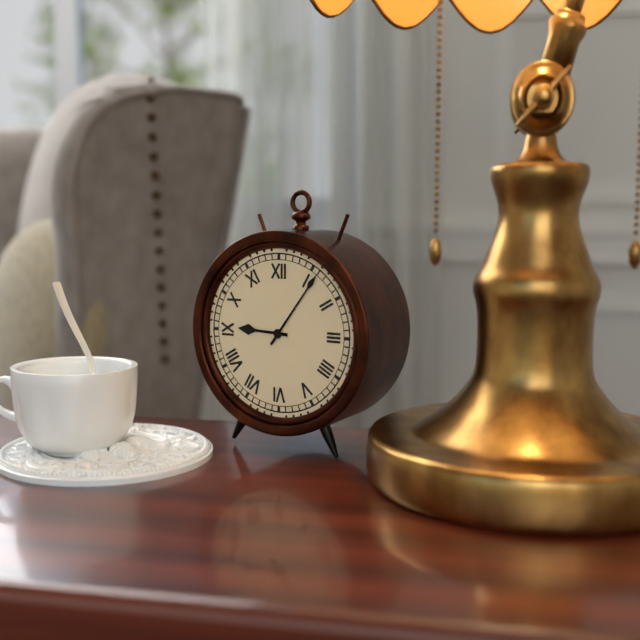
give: {"hour": 9, "minute": 6}
